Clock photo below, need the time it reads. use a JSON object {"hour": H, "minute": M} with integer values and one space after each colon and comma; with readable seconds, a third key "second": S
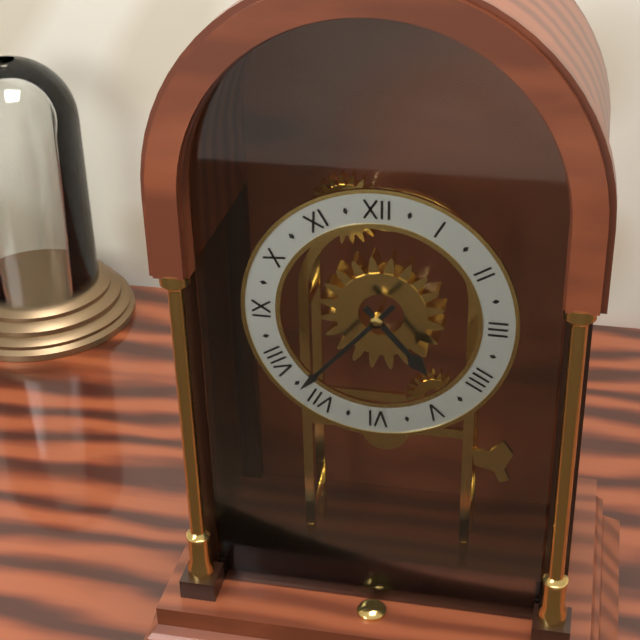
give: {"hour": 4, "minute": 37}
